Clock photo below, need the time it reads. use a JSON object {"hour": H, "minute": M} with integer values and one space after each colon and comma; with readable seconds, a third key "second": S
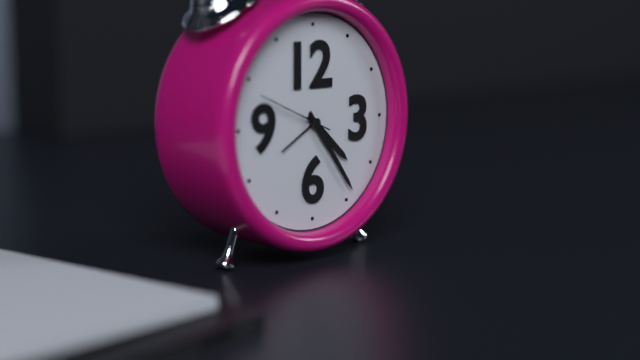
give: {"hour": 4, "minute": 24}
